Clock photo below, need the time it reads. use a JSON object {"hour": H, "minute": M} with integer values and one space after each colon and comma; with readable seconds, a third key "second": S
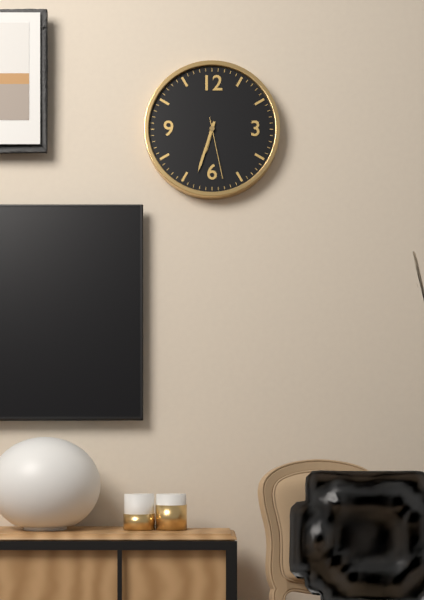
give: {"hour": 6, "minute": 33, "second": 28}
